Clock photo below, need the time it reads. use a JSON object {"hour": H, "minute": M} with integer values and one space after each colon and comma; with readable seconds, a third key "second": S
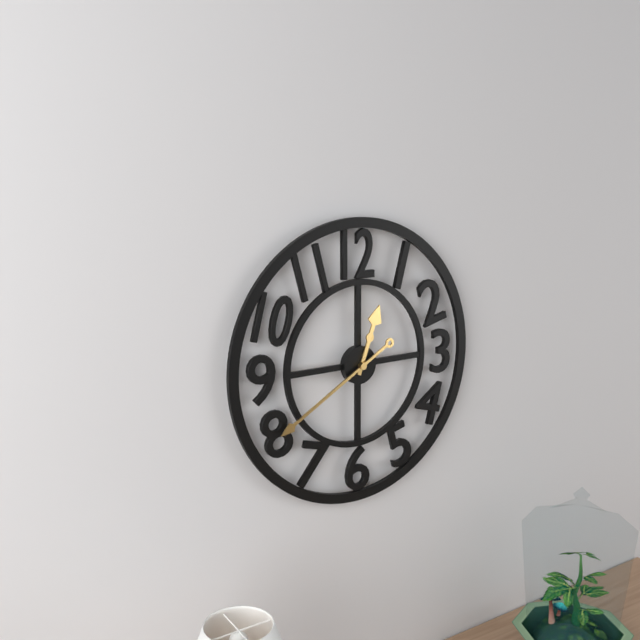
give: {"hour": 12, "minute": 40}
